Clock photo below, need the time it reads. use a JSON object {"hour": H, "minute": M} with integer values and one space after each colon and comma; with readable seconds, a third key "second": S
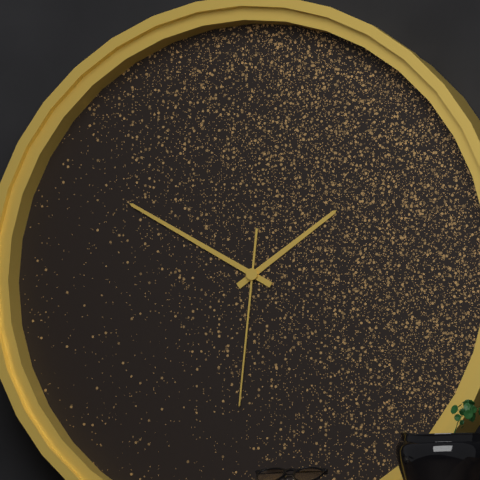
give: {"hour": 1, "minute": 50, "second": 31}
